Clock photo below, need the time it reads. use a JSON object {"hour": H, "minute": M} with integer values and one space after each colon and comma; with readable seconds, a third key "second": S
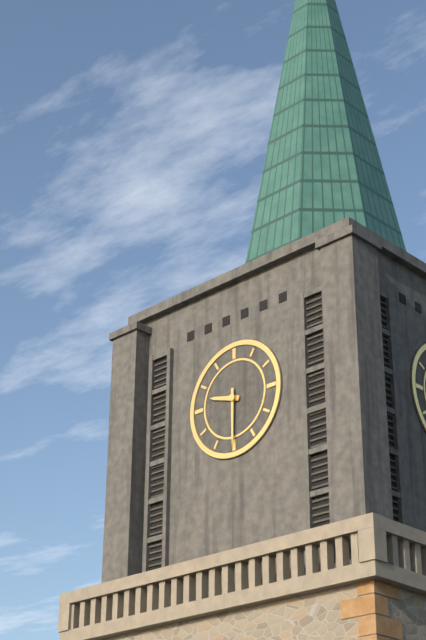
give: {"hour": 9, "minute": 30}
